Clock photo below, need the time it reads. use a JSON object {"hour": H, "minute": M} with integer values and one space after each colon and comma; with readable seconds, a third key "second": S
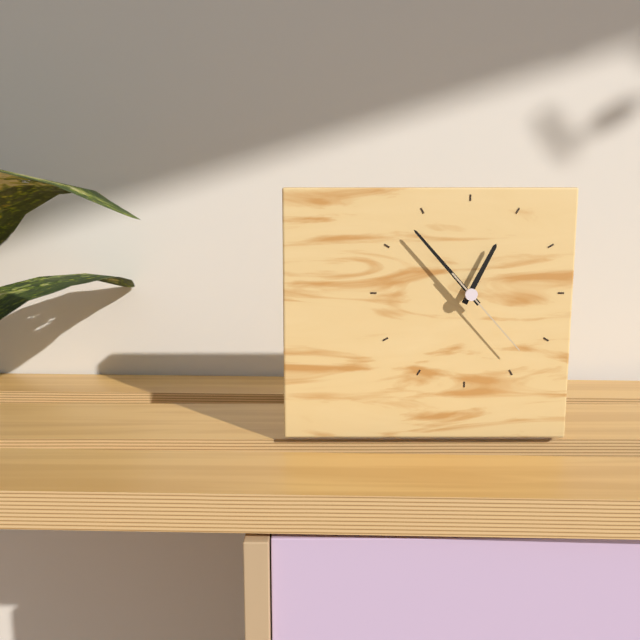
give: {"hour": 12, "minute": 53, "second": 23}
